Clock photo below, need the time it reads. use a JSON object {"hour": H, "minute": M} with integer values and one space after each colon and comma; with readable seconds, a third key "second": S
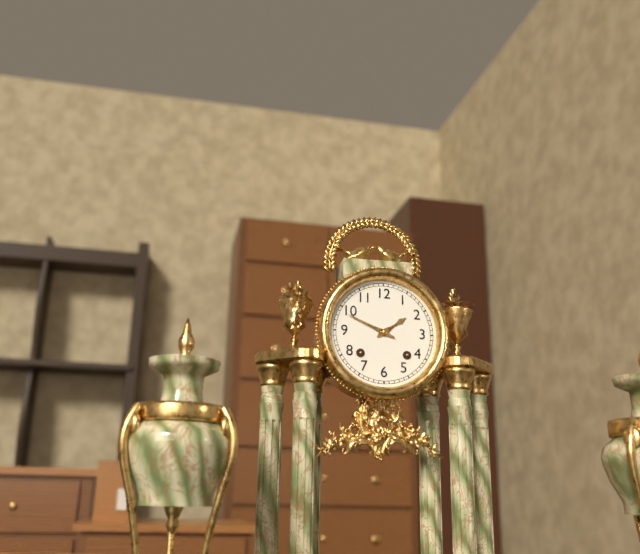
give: {"hour": 1, "minute": 49}
